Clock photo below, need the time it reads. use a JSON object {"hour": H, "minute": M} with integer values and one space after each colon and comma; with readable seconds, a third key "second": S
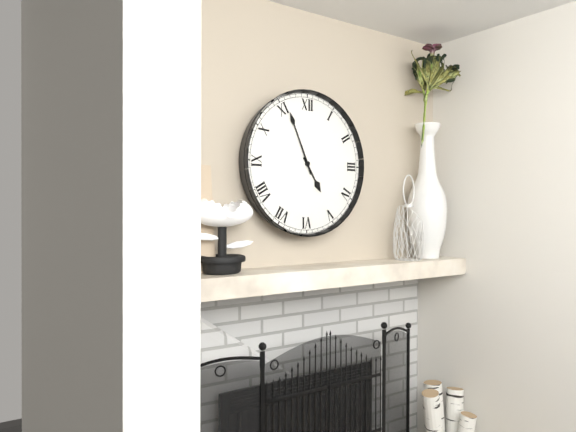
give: {"hour": 4, "minute": 56}
